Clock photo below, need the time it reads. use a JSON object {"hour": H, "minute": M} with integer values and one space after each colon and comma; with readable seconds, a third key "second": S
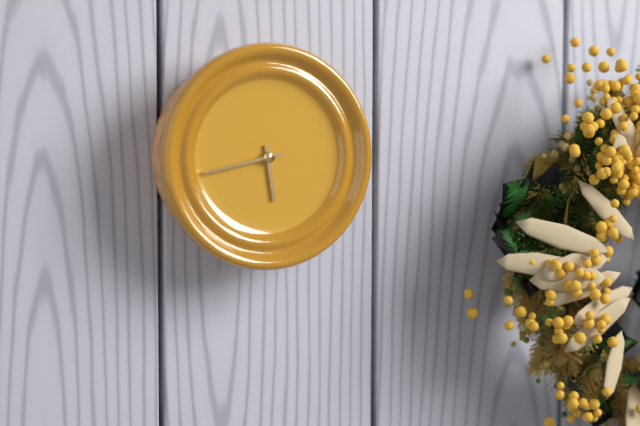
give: {"hour": 5, "minute": 43}
